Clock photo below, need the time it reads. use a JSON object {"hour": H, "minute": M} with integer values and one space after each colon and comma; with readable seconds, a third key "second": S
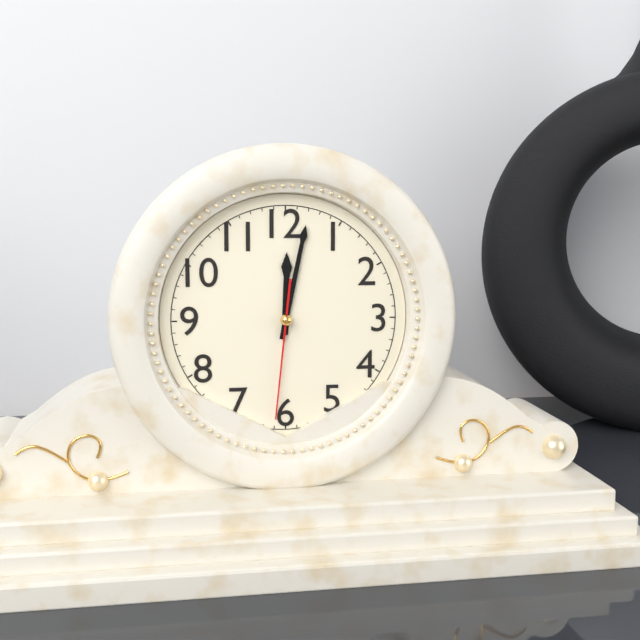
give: {"hour": 12, "minute": 2, "second": 31}
